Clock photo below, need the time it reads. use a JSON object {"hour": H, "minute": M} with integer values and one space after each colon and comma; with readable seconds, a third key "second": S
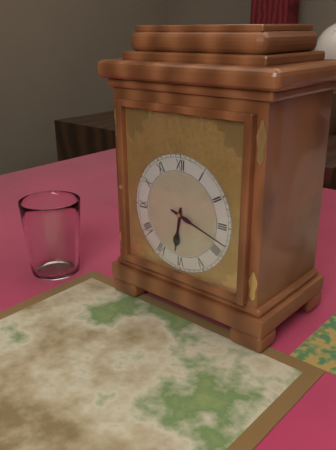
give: {"hour": 6, "minute": 18}
